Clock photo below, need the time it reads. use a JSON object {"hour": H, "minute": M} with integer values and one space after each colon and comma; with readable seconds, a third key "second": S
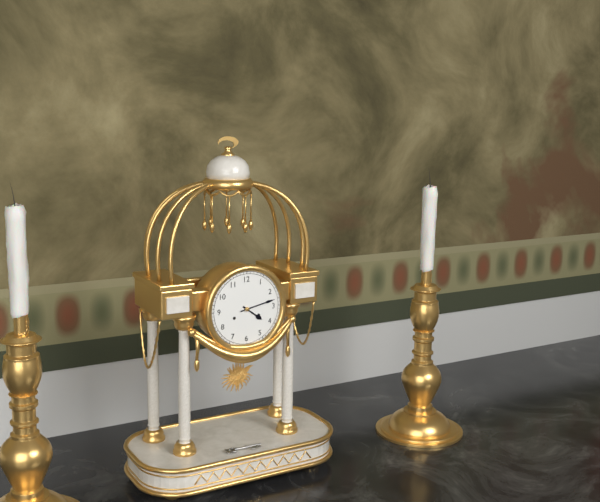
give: {"hour": 4, "minute": 13}
